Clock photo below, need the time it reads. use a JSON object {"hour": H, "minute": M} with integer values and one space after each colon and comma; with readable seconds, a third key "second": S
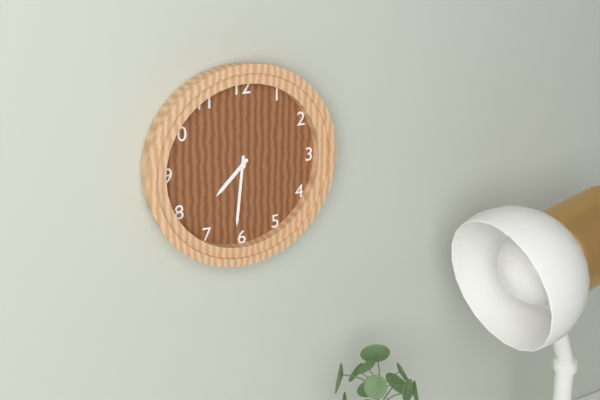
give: {"hour": 7, "minute": 31}
